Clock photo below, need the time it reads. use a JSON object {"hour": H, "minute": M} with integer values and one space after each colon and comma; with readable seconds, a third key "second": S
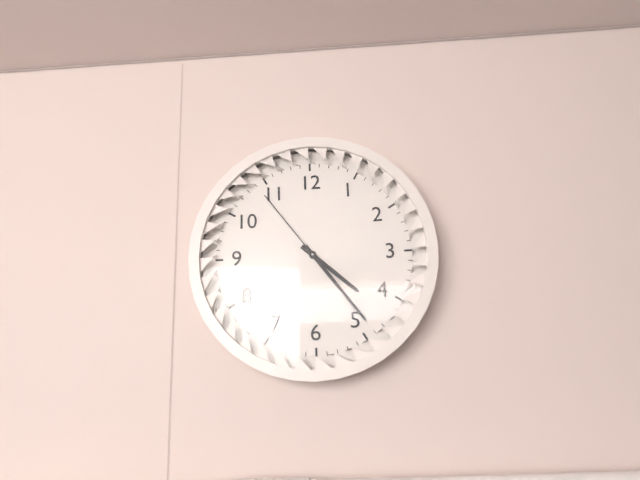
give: {"hour": 4, "minute": 24, "second": 54}
